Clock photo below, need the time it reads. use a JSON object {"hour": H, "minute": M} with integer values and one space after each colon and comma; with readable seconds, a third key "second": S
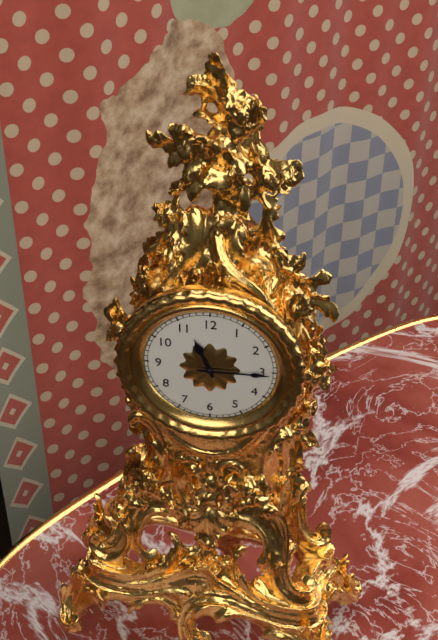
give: {"hour": 11, "minute": 15}
